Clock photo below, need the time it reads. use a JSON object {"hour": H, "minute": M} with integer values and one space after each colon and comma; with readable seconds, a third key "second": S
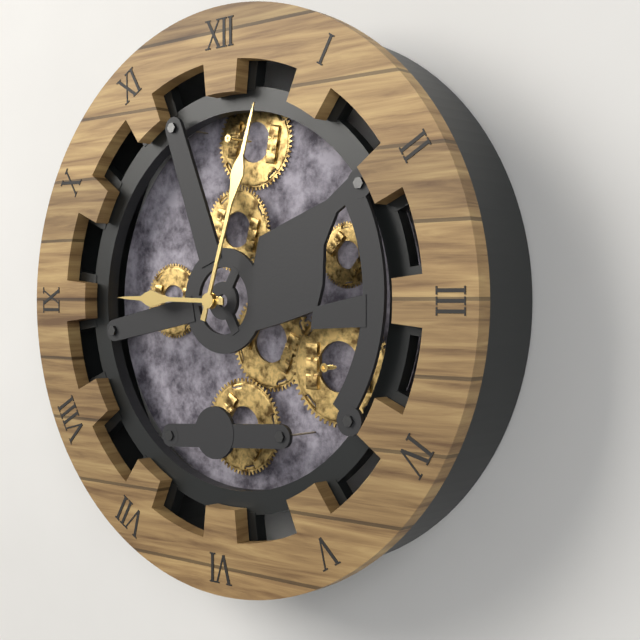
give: {"hour": 9, "minute": 3}
